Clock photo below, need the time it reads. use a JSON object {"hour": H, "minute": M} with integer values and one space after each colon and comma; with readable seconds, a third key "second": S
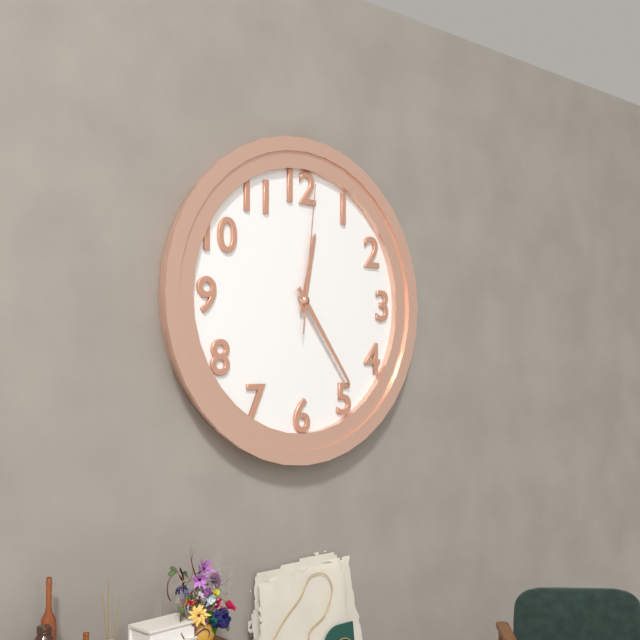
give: {"hour": 12, "minute": 24, "second": 1}
